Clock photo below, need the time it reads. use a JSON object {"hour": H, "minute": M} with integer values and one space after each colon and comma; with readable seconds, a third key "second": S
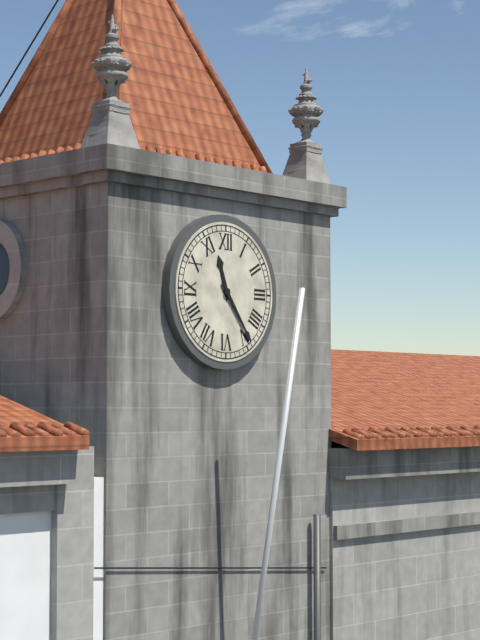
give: {"hour": 11, "minute": 24}
